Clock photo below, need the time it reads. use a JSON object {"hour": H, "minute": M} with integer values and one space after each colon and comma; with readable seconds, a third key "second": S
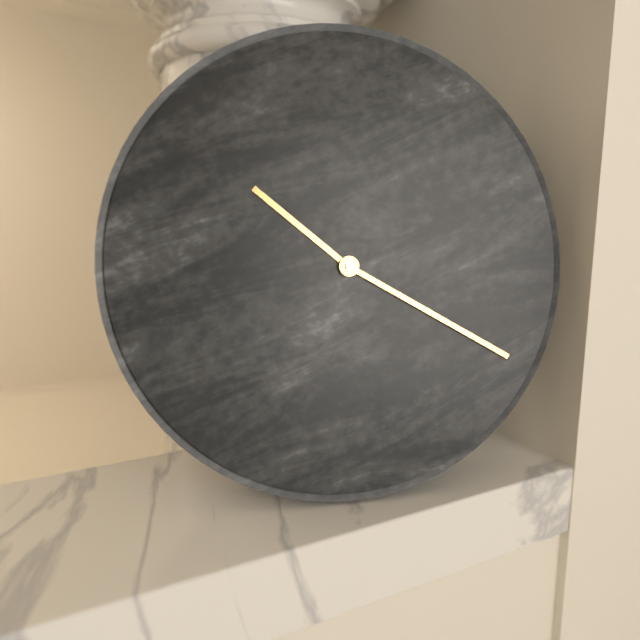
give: {"hour": 10, "minute": 20}
